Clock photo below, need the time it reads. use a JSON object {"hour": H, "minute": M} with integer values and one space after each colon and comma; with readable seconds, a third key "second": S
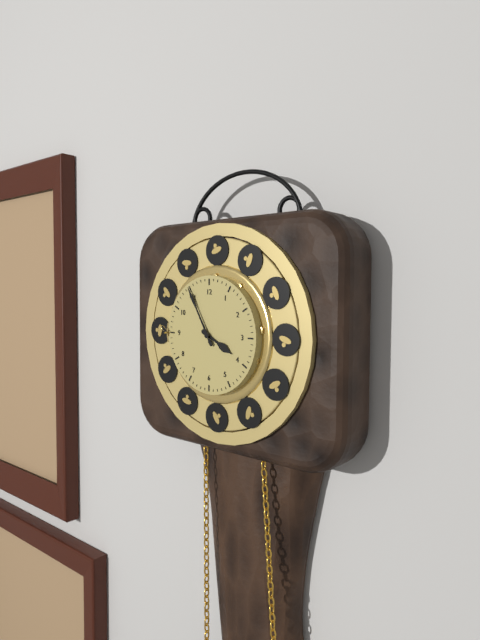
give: {"hour": 3, "minute": 55}
